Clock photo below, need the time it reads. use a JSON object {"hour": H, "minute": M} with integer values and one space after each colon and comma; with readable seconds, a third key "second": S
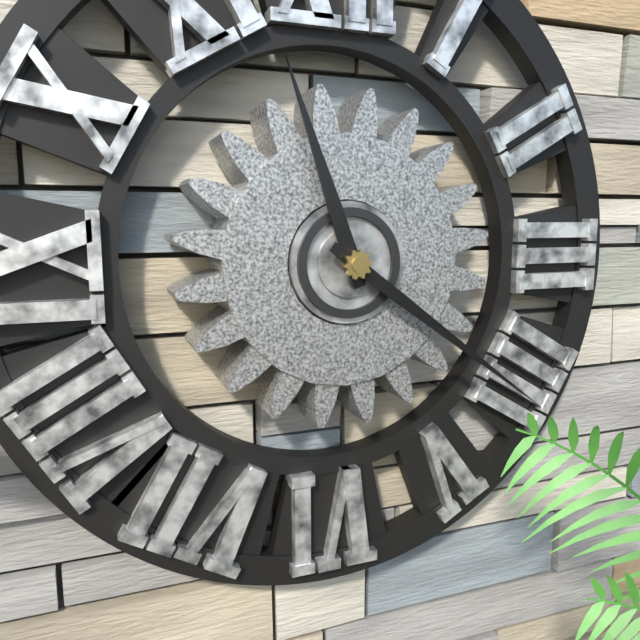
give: {"hour": 11, "minute": 21}
